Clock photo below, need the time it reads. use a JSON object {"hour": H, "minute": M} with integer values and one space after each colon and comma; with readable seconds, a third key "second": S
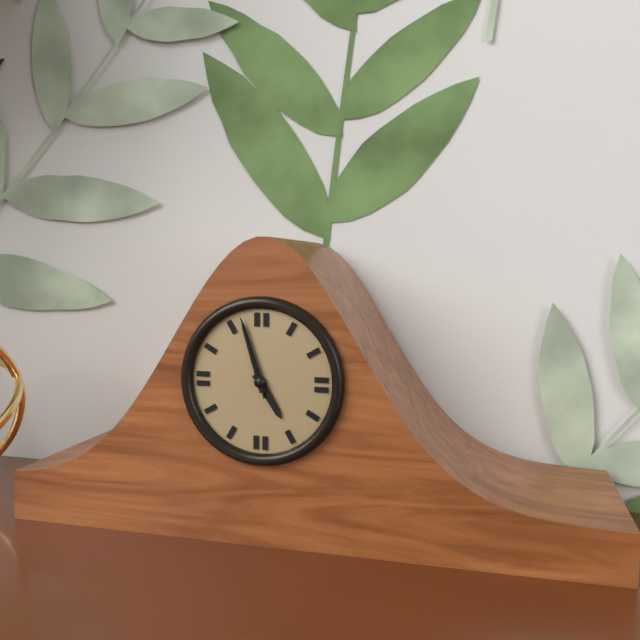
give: {"hour": 4, "minute": 57, "second": 57}
